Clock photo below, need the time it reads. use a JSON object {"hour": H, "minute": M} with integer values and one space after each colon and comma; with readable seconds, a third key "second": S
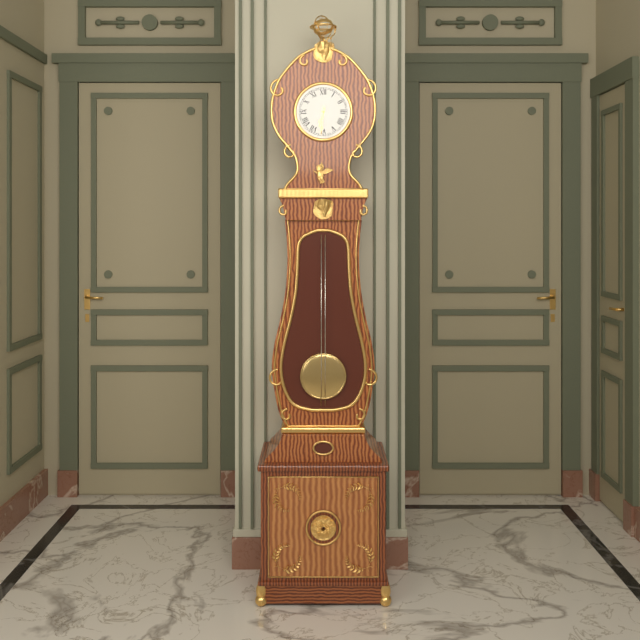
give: {"hour": 6, "minute": 31}
